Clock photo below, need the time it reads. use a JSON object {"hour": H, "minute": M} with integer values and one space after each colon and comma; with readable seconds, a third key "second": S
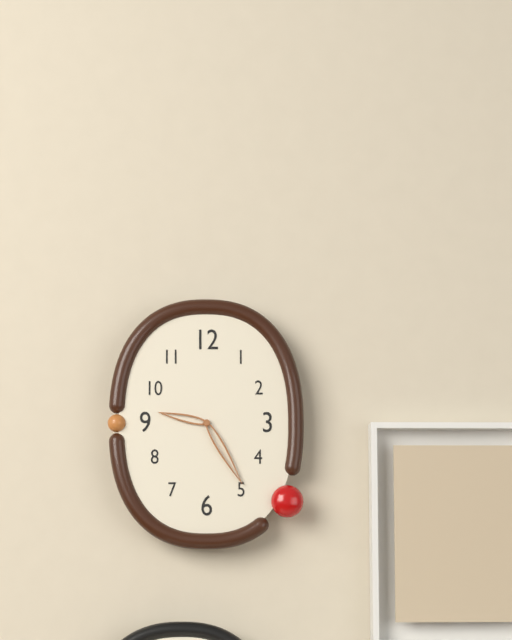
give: {"hour": 9, "minute": 25}
